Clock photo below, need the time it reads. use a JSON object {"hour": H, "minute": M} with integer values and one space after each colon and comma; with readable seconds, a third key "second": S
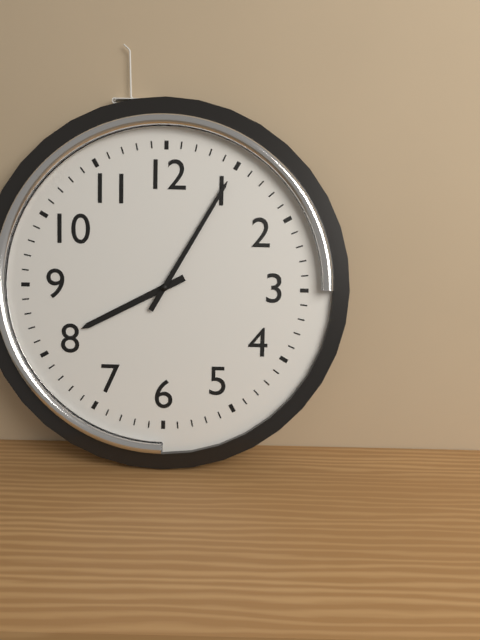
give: {"hour": 8, "minute": 5}
